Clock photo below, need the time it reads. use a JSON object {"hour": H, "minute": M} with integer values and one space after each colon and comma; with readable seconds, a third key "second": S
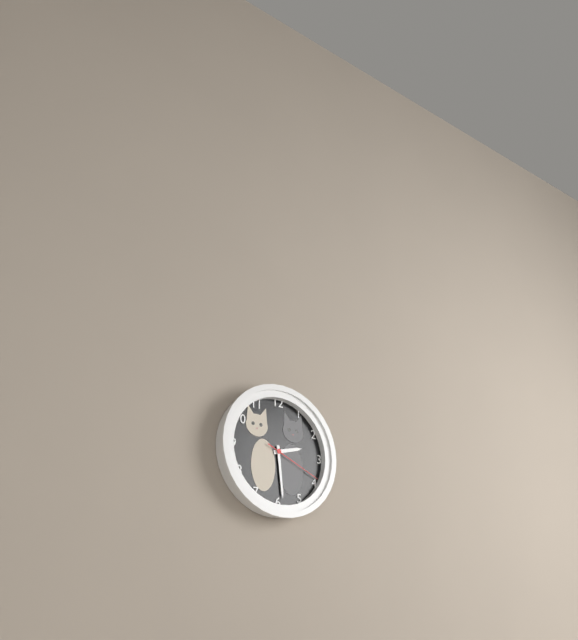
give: {"hour": 2, "minute": 29, "second": 19}
